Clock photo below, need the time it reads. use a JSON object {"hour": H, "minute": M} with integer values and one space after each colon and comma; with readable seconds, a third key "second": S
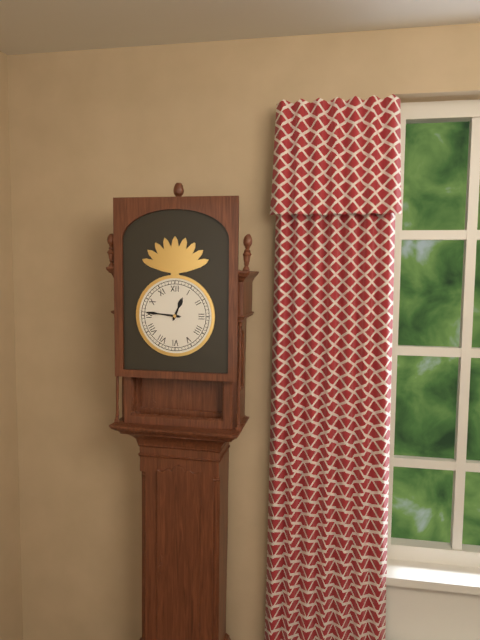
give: {"hour": 12, "minute": 46}
